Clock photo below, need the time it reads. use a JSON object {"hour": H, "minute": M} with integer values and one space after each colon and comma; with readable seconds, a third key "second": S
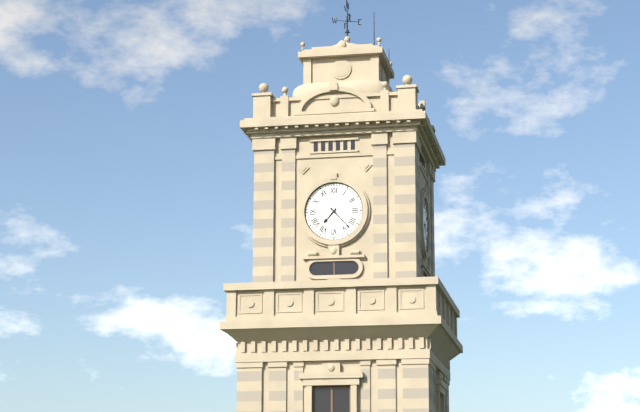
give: {"hour": 7, "minute": 23}
